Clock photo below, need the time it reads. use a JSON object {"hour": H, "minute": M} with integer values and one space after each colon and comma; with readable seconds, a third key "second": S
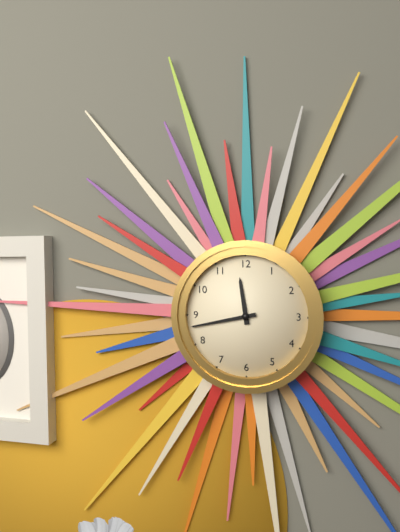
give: {"hour": 11, "minute": 43}
